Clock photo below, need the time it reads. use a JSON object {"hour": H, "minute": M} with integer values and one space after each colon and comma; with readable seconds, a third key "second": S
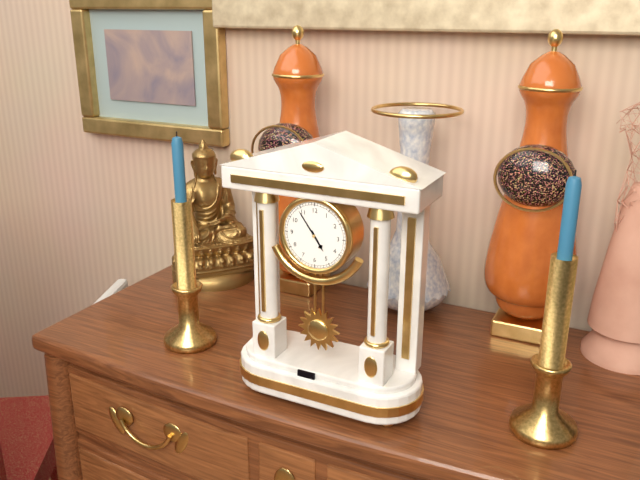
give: {"hour": 4, "minute": 54}
